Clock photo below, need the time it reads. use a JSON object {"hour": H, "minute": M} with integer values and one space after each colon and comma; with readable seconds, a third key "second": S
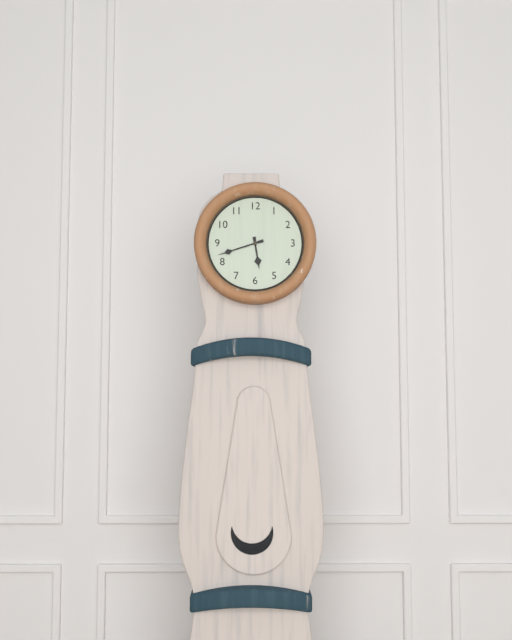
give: {"hour": 5, "minute": 42}
